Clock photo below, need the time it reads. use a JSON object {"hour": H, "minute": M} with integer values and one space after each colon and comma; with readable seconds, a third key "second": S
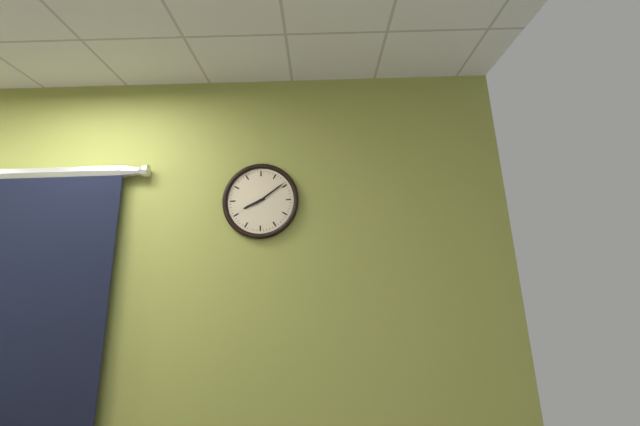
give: {"hour": 8, "minute": 9}
